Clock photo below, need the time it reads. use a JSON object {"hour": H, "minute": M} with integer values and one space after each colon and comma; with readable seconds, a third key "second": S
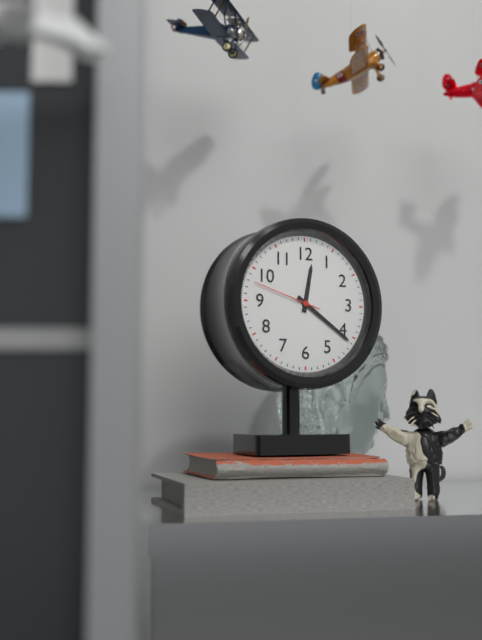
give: {"hour": 12, "minute": 21, "second": 48}
